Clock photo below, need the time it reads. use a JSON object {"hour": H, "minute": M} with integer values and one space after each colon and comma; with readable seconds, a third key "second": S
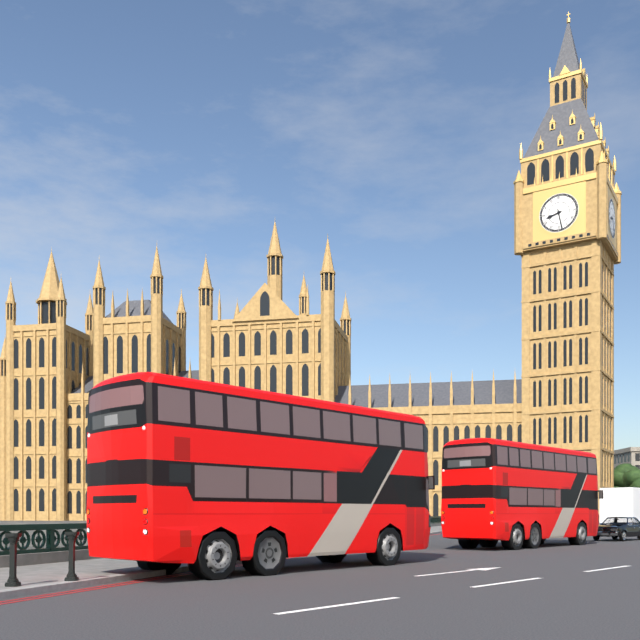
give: {"hour": 8, "minute": 28}
